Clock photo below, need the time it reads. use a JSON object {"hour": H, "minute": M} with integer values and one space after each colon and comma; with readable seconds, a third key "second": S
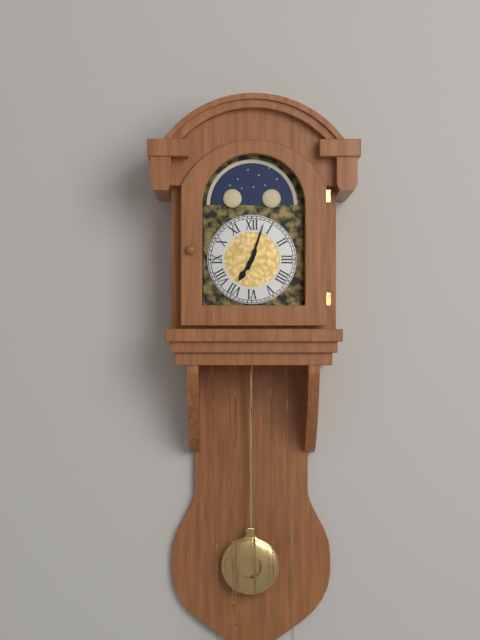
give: {"hour": 7, "minute": 3}
